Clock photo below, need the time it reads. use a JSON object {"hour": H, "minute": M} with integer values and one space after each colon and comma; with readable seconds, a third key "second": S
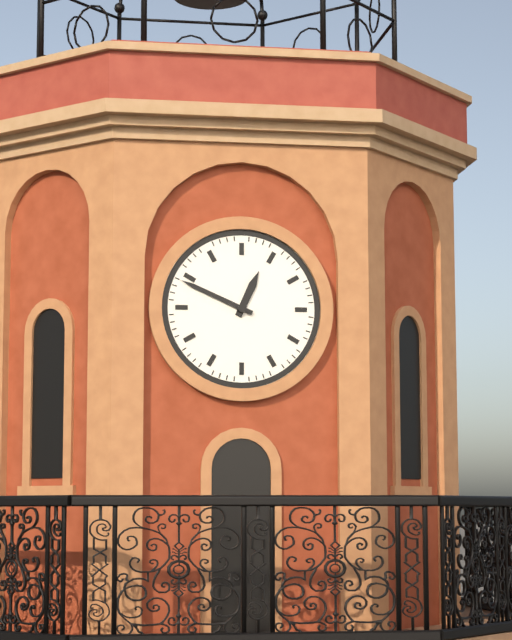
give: {"hour": 12, "minute": 49}
